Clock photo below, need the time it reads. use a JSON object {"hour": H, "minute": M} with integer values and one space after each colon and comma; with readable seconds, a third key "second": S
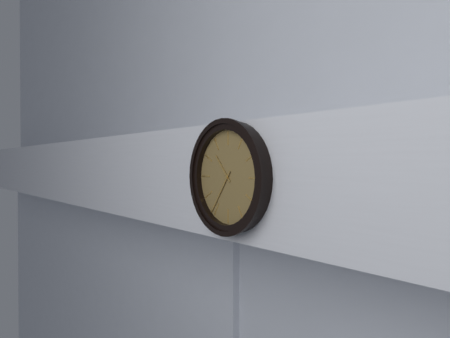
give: {"hour": 10, "minute": 36}
